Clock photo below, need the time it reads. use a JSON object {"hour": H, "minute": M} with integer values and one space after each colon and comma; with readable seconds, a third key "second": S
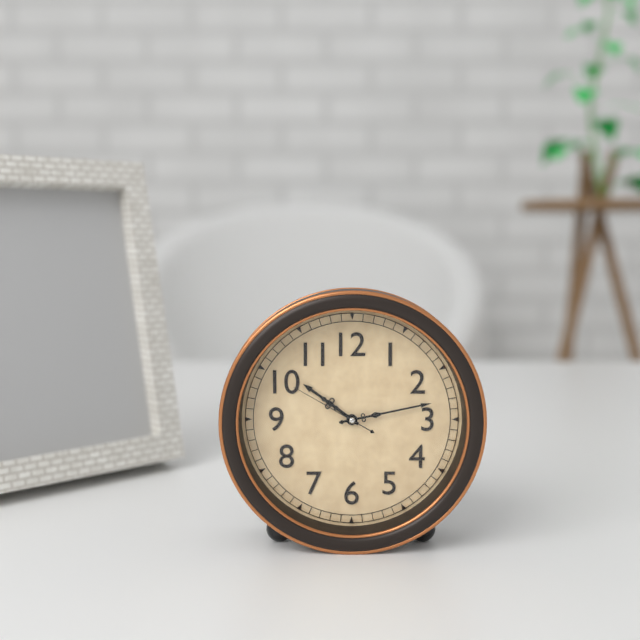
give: {"hour": 10, "minute": 13, "second": 50}
